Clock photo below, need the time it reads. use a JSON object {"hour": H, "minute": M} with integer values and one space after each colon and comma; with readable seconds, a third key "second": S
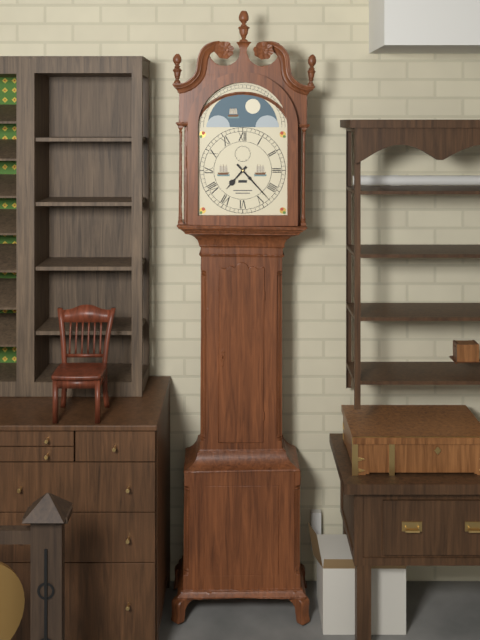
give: {"hour": 7, "minute": 23}
